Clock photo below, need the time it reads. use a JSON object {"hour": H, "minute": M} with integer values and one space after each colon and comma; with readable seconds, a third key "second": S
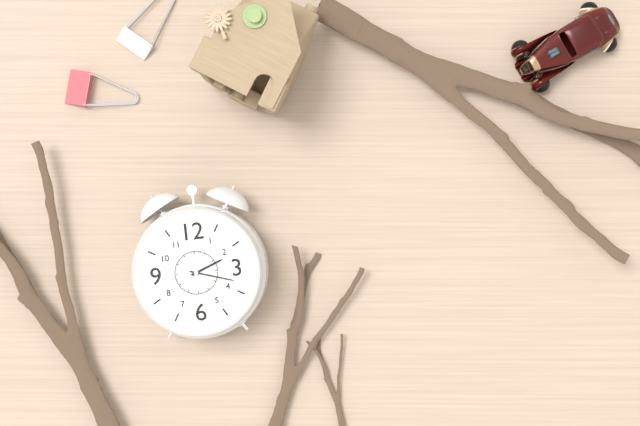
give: {"hour": 2, "minute": 18}
